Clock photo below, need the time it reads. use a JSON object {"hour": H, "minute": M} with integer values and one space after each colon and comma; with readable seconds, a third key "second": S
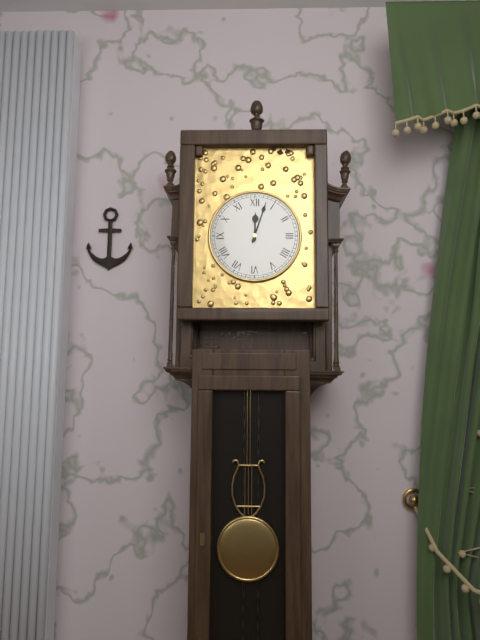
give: {"hour": 12, "minute": 3}
